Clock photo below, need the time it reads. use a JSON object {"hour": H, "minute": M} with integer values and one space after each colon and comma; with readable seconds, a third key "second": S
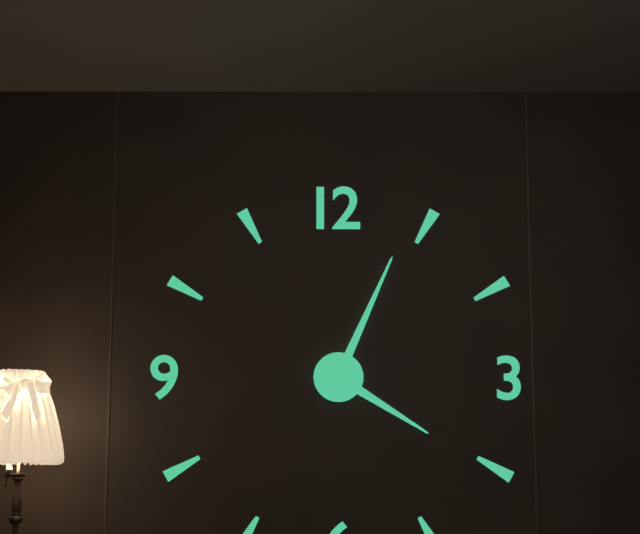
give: {"hour": 4, "minute": 4}
